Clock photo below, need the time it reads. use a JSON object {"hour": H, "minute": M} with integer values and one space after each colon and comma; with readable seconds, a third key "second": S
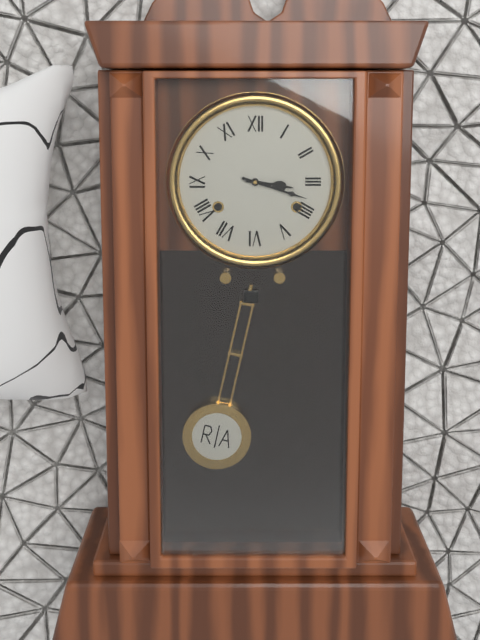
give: {"hour": 3, "minute": 18}
